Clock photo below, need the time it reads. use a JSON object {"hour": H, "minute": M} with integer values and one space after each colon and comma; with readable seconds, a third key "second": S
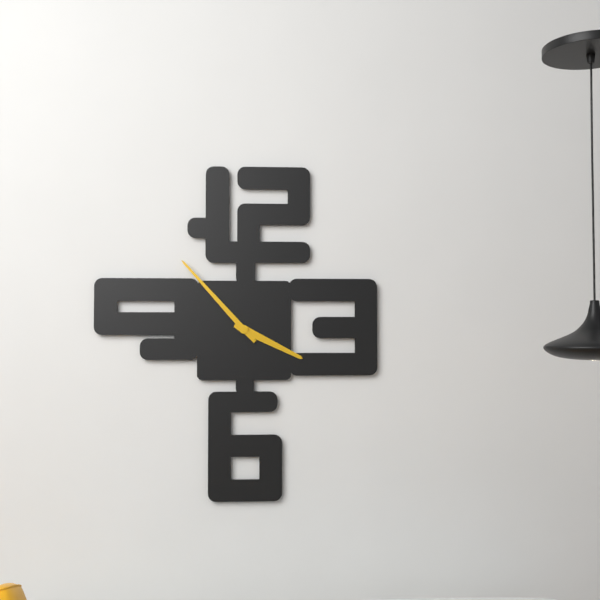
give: {"hour": 3, "minute": 53}
